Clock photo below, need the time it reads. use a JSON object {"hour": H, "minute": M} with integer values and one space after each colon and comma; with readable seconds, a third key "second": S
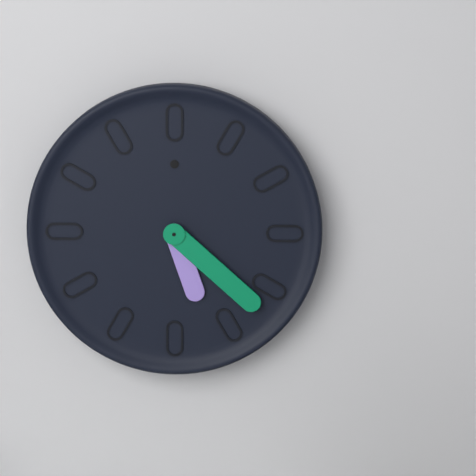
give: {"hour": 5, "minute": 22}
